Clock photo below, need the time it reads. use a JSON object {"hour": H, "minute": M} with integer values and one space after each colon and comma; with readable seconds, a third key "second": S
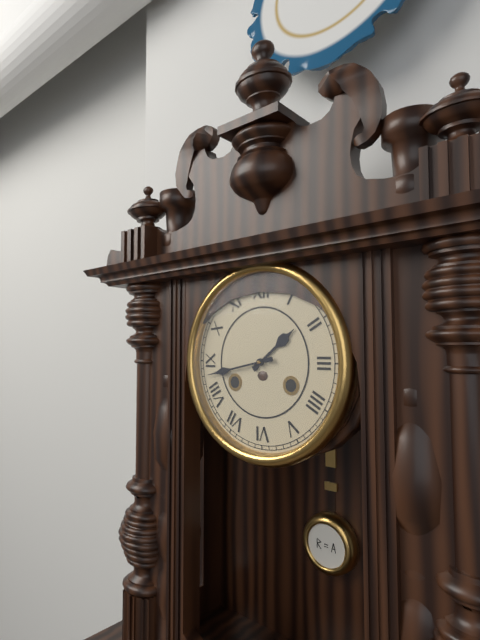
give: {"hour": 1, "minute": 43}
